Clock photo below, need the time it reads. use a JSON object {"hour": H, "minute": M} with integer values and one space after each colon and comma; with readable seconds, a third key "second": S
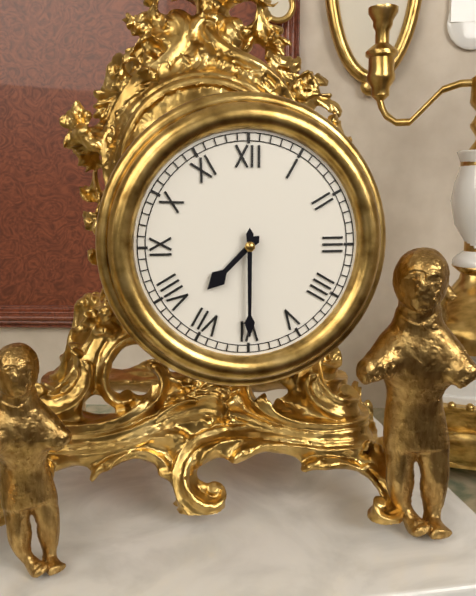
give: {"hour": 7, "minute": 30}
